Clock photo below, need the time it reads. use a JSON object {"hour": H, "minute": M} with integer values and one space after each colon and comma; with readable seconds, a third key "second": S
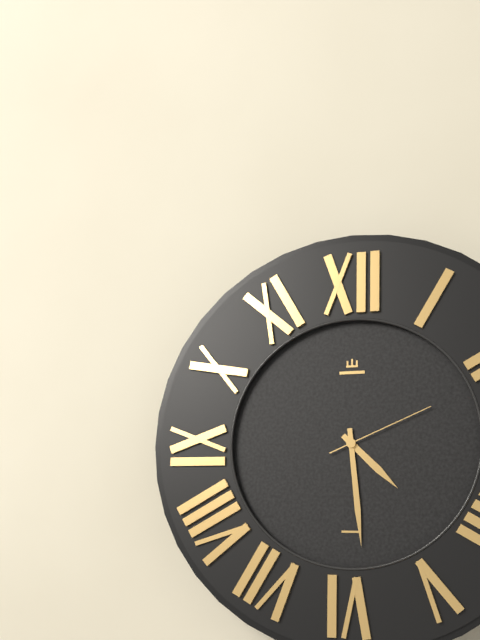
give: {"hour": 4, "minute": 29, "second": 11}
